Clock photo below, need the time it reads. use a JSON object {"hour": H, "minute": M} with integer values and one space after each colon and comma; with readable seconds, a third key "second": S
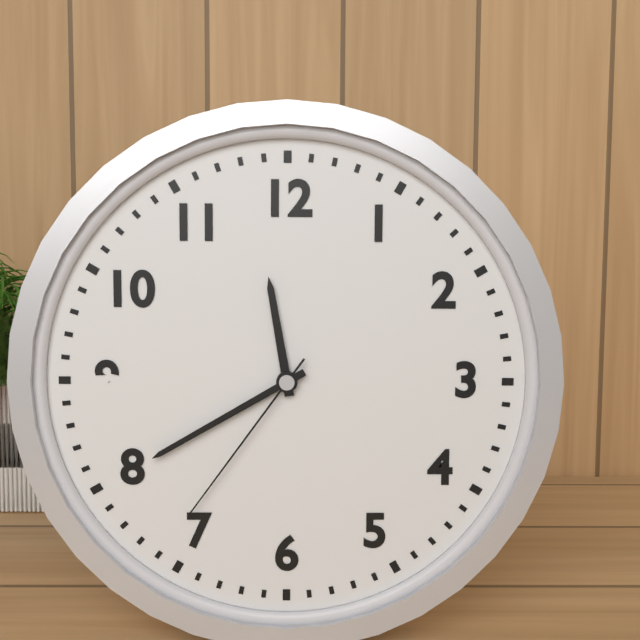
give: {"hour": 11, "minute": 40, "second": 36}
